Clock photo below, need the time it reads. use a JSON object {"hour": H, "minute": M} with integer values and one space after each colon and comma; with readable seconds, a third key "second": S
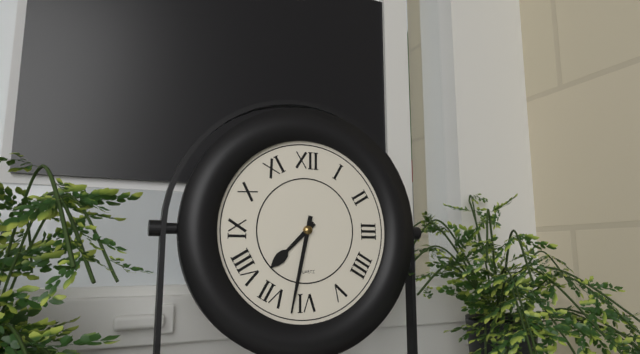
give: {"hour": 7, "minute": 32}
